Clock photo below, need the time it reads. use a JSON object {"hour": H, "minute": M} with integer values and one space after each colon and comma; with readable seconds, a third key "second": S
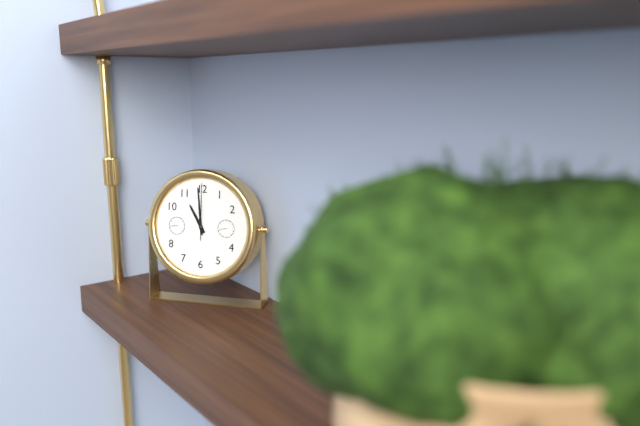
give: {"hour": 10, "minute": 59, "second": 0}
